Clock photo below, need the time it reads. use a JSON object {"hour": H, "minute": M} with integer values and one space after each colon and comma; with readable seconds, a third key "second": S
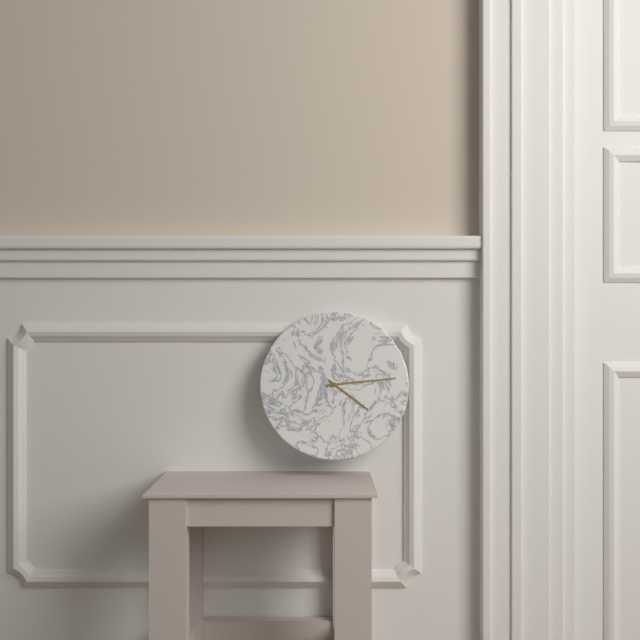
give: {"hour": 4, "minute": 14}
